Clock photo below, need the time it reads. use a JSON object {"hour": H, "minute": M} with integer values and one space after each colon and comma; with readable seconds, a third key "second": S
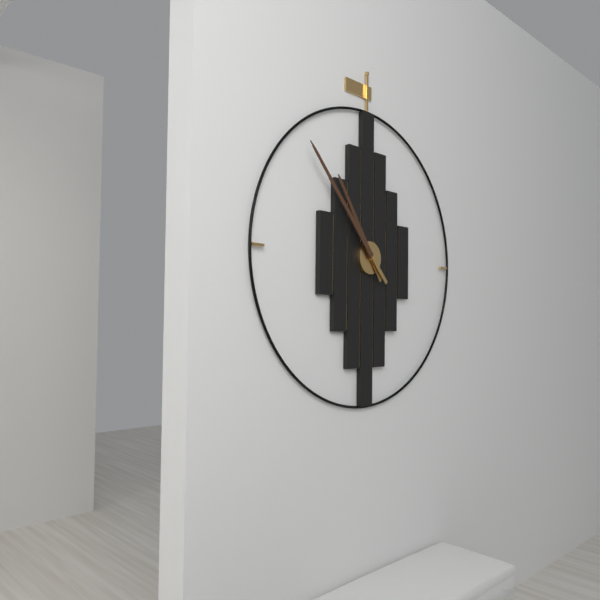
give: {"hour": 10, "minute": 53}
